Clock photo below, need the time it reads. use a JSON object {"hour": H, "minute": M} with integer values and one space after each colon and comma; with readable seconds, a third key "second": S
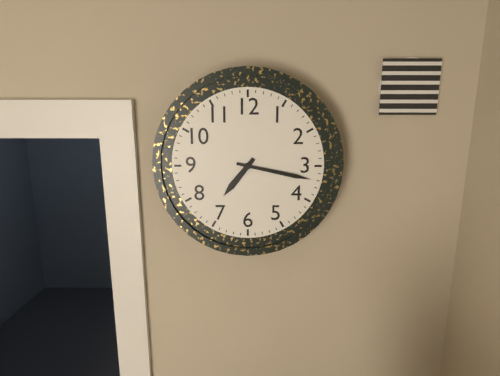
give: {"hour": 7, "minute": 17}
